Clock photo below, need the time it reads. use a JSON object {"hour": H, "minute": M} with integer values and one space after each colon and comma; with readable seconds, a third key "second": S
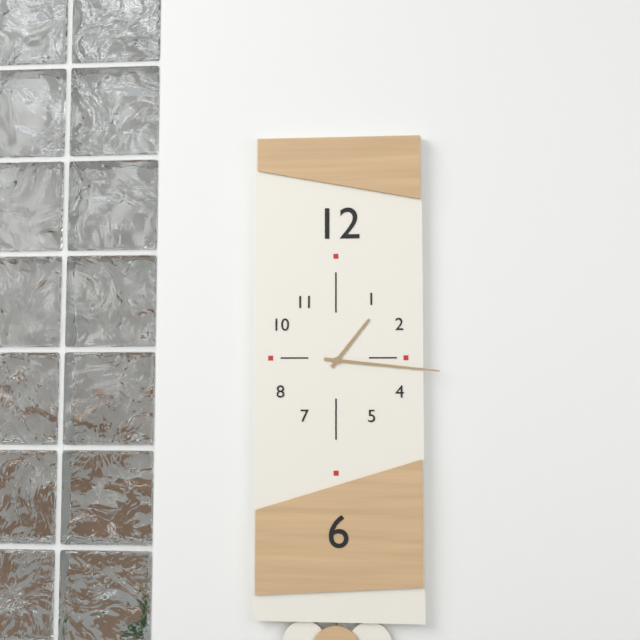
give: {"hour": 1, "minute": 16}
